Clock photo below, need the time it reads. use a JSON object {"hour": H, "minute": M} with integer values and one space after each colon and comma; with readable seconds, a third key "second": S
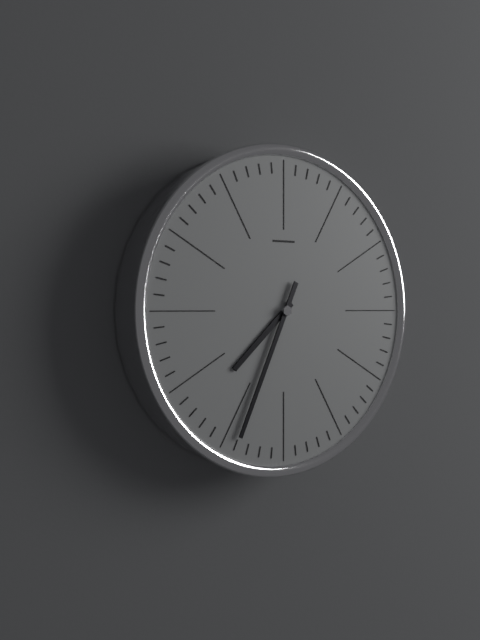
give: {"hour": 7, "minute": 34}
